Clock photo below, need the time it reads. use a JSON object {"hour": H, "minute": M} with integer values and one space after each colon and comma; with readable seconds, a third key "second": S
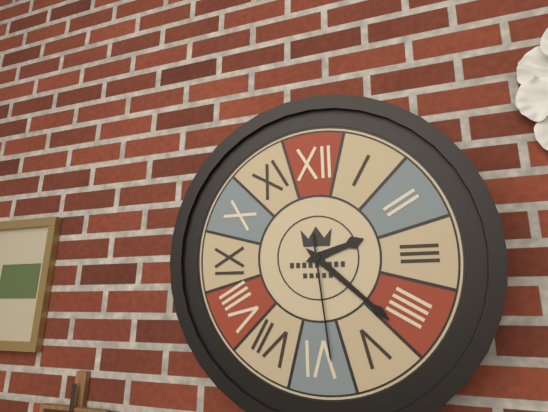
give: {"hour": 2, "minute": 22, "second": 29}
